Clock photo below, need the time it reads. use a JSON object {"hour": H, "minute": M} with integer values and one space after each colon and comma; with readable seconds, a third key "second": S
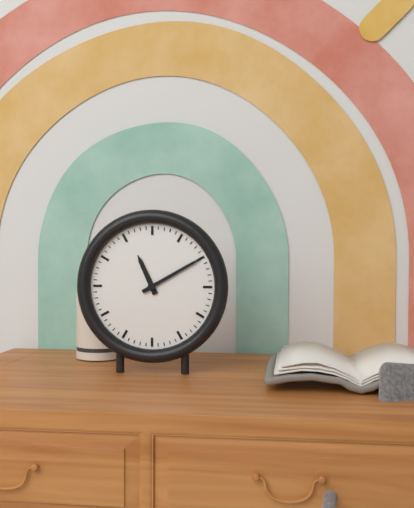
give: {"hour": 11, "minute": 10}
